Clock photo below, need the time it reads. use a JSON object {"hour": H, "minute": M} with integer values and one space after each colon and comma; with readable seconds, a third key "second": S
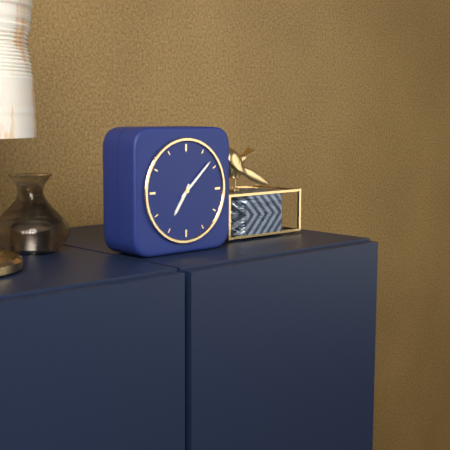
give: {"hour": 7, "minute": 8}
